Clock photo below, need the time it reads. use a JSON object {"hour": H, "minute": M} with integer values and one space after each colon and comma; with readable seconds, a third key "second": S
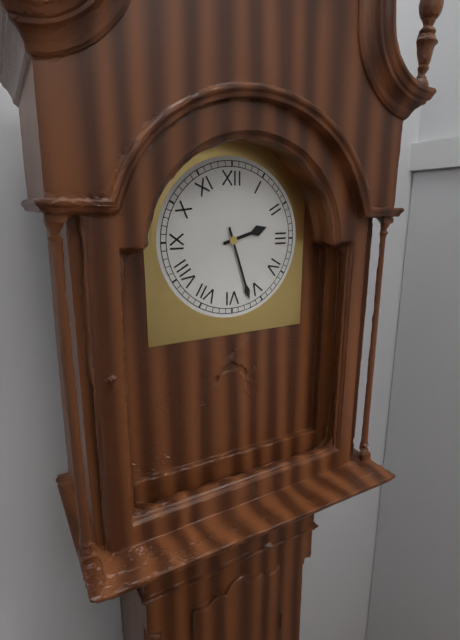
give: {"hour": 2, "minute": 27}
